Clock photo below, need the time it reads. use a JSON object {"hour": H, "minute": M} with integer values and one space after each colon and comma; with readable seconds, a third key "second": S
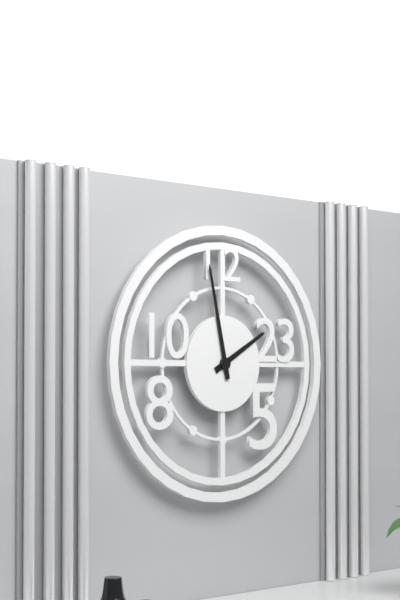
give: {"hour": 1, "minute": 58}
